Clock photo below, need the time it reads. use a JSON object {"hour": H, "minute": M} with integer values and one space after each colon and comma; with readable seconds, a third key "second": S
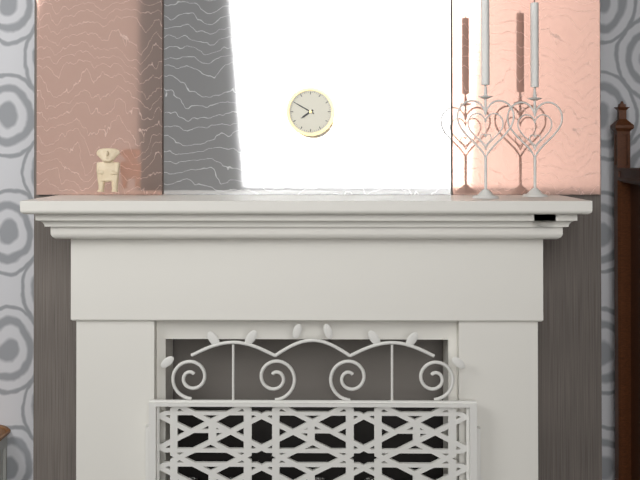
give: {"hour": 7, "minute": 50}
